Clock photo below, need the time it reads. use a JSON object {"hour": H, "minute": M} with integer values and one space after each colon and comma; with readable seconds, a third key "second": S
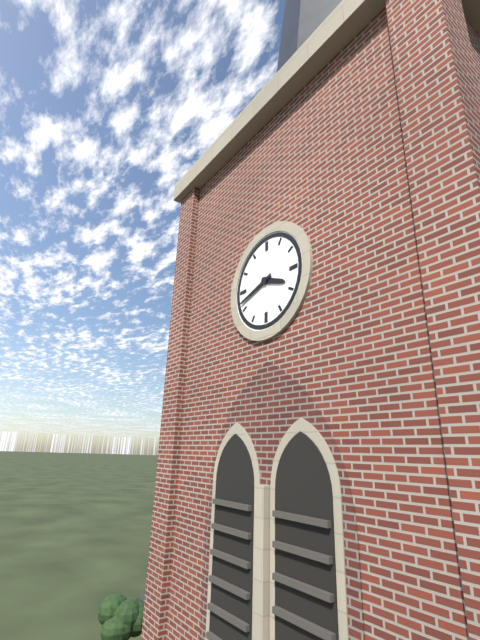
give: {"hour": 3, "minute": 42}
